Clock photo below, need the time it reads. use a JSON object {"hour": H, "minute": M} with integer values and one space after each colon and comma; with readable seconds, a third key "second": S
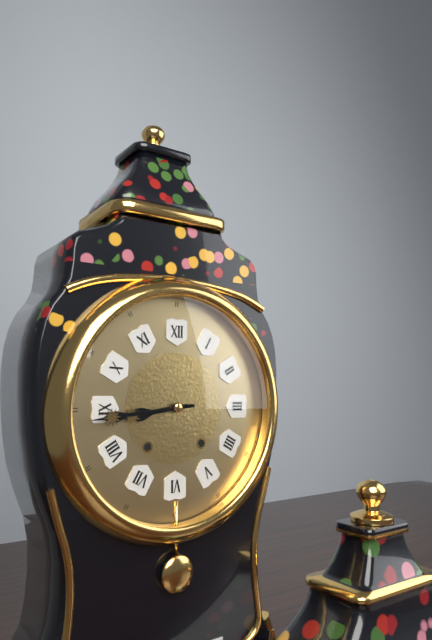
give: {"hour": 8, "minute": 44}
